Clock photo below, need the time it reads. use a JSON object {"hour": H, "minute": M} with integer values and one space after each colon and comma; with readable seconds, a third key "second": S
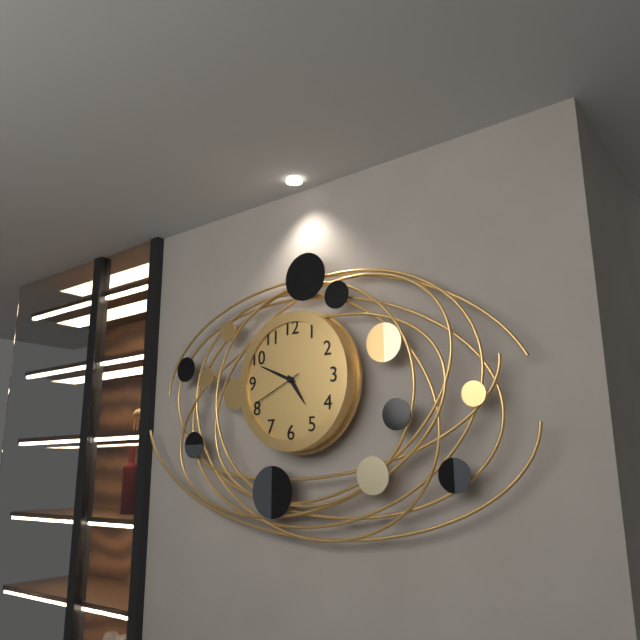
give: {"hour": 4, "minute": 49, "second": 41}
